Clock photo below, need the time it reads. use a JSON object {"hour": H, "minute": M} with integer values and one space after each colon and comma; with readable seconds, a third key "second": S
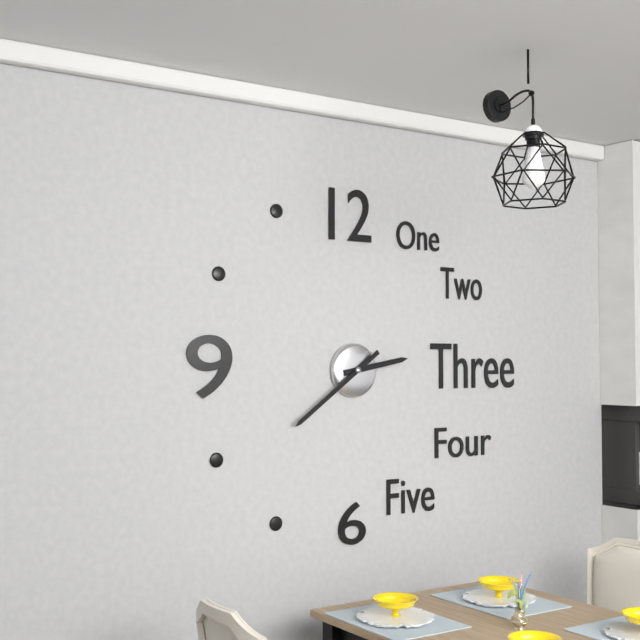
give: {"hour": 2, "minute": 39}
